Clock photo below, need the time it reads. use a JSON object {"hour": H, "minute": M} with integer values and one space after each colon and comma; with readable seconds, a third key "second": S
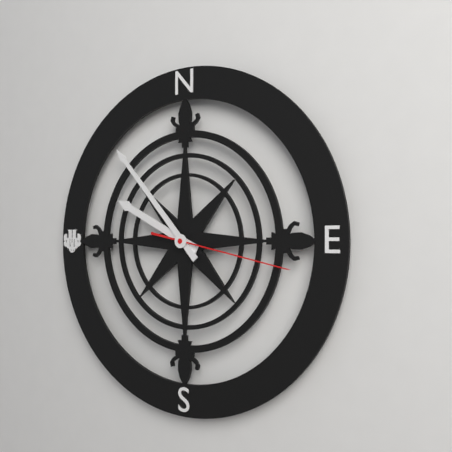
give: {"hour": 9, "minute": 53, "second": 17}
